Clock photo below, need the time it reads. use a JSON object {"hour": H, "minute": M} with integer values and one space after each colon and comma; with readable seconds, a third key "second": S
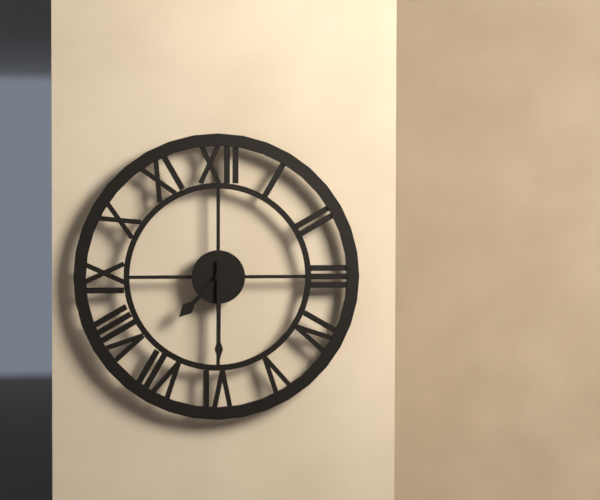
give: {"hour": 7, "minute": 30}
